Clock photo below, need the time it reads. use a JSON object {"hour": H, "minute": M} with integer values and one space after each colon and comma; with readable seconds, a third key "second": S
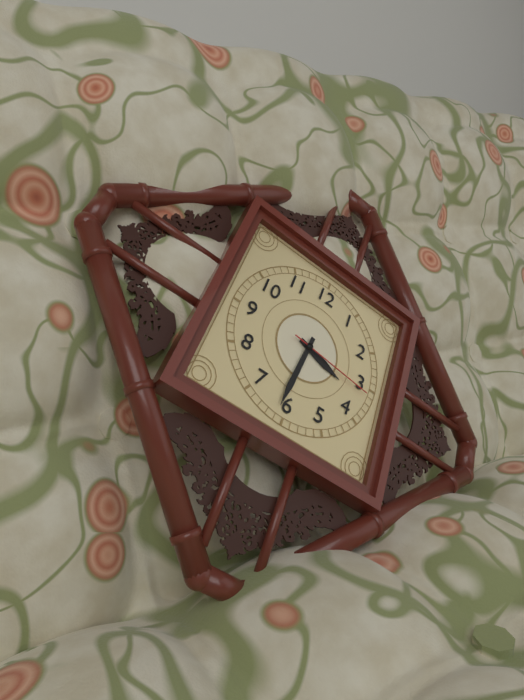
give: {"hour": 3, "minute": 31, "second": 16}
